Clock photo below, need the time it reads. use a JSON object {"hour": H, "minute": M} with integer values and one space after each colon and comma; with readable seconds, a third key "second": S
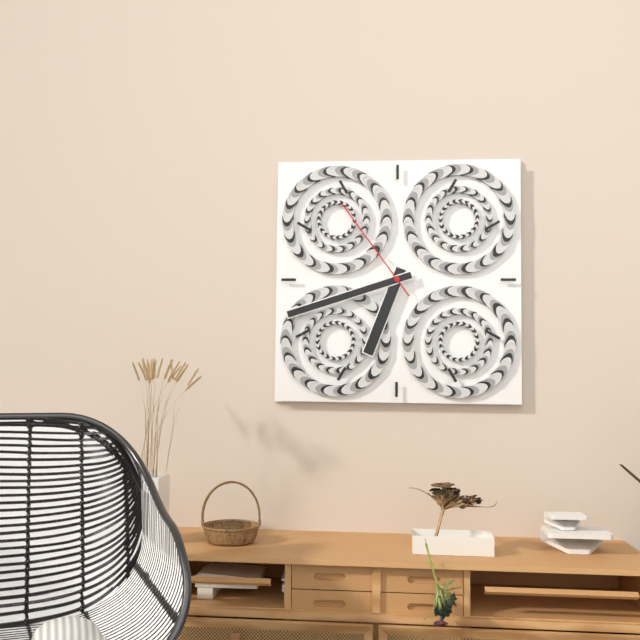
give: {"hour": 6, "minute": 42, "second": 54}
